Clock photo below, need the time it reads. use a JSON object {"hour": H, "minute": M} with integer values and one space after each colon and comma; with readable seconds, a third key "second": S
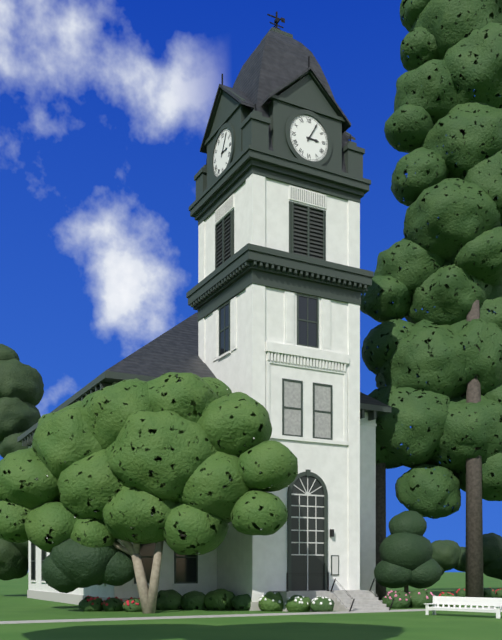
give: {"hour": 3, "minute": 5}
